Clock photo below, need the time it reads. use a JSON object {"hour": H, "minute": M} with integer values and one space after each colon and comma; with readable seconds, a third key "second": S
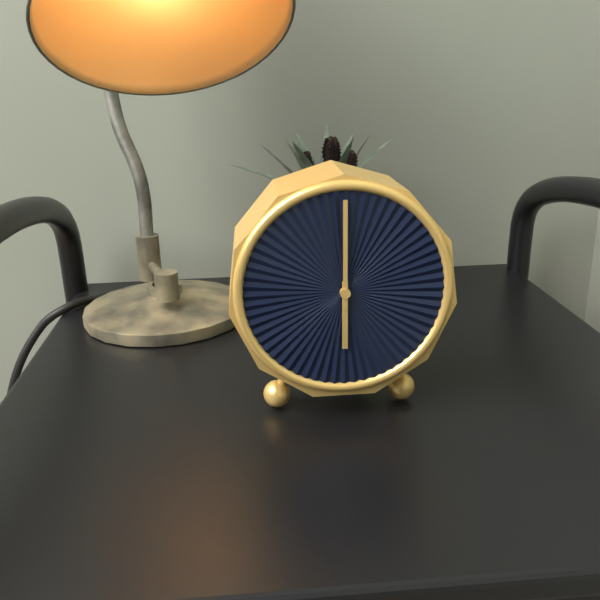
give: {"hour": 6, "minute": 0}
